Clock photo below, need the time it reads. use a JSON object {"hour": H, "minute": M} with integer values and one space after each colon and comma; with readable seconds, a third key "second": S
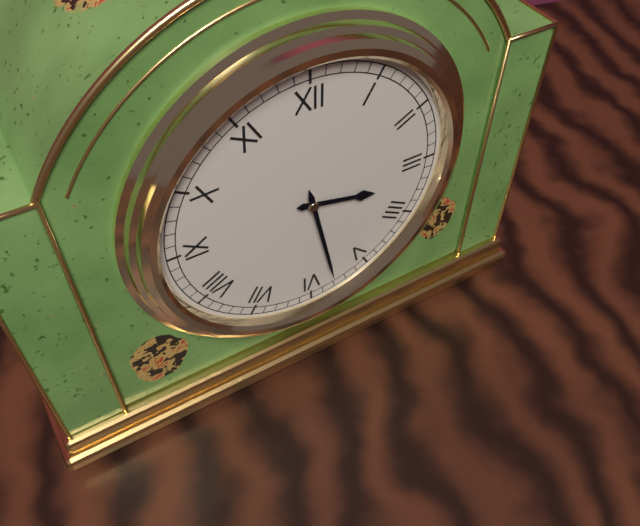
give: {"hour": 3, "minute": 28}
